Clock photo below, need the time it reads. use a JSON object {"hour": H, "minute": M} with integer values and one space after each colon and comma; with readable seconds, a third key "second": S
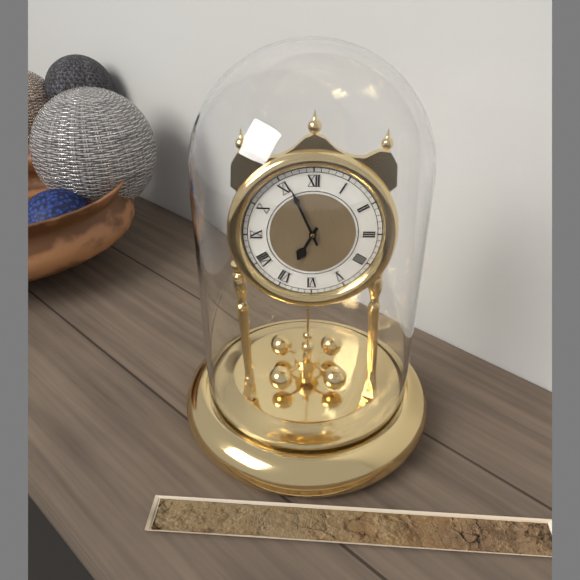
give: {"hour": 6, "minute": 56}
